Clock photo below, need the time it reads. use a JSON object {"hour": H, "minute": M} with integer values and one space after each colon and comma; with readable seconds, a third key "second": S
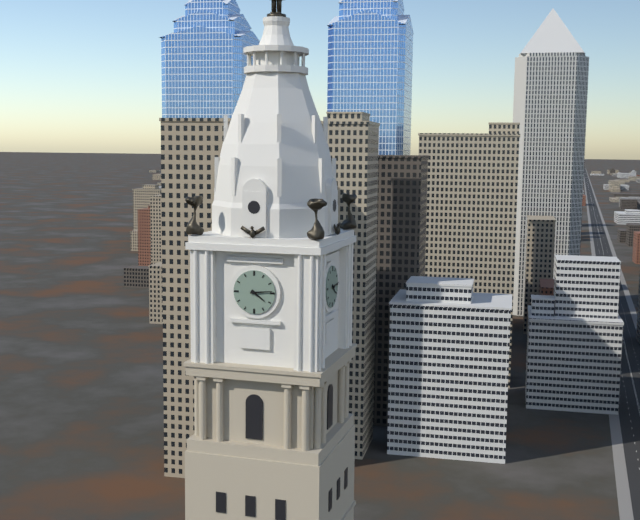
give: {"hour": 4, "minute": 14}
